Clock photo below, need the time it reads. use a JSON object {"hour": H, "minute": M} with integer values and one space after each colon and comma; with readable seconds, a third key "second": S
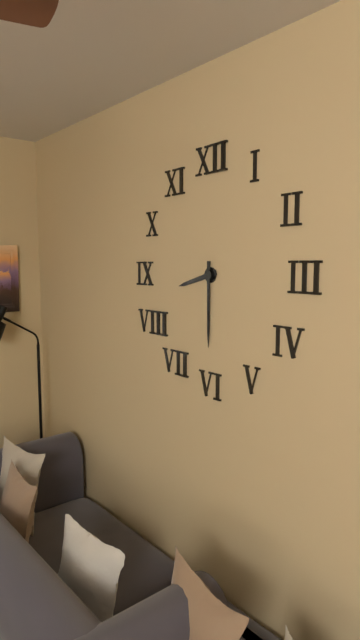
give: {"hour": 8, "minute": 30}
